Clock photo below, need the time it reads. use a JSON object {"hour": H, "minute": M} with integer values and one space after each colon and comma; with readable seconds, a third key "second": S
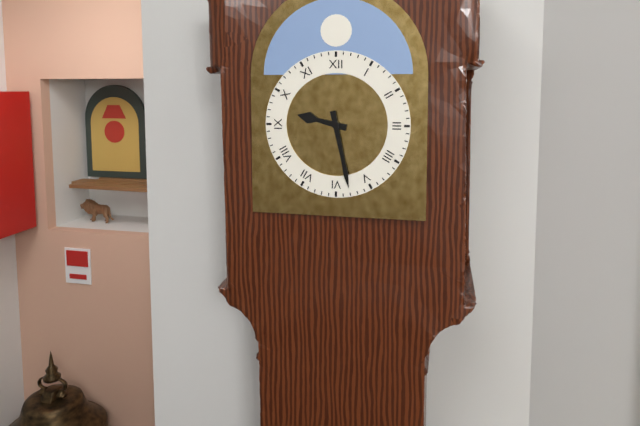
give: {"hour": 9, "minute": 28}
